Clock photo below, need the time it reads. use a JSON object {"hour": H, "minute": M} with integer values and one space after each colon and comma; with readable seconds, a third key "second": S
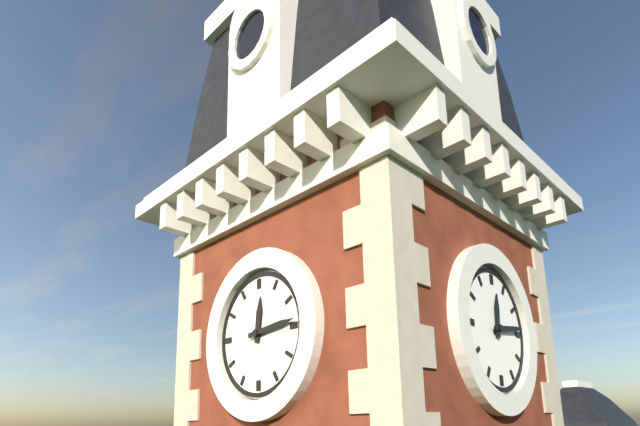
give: {"hour": 12, "minute": 14}
